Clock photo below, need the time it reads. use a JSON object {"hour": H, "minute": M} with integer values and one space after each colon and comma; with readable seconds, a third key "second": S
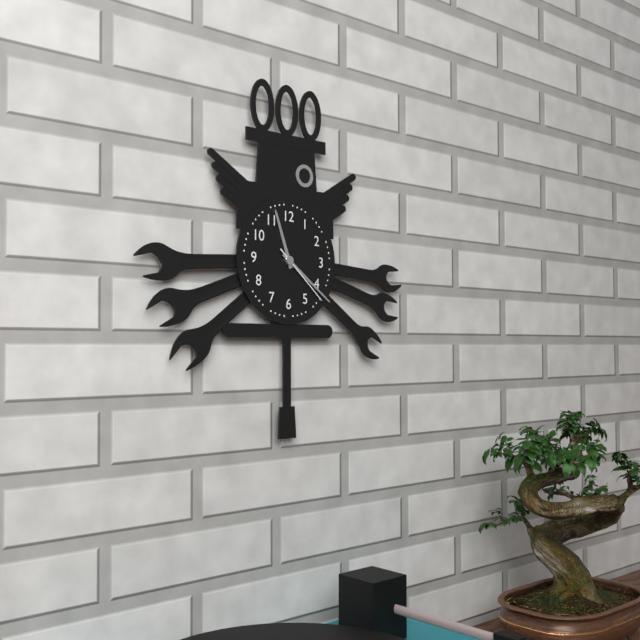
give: {"hour": 11, "minute": 21, "second": 22}
